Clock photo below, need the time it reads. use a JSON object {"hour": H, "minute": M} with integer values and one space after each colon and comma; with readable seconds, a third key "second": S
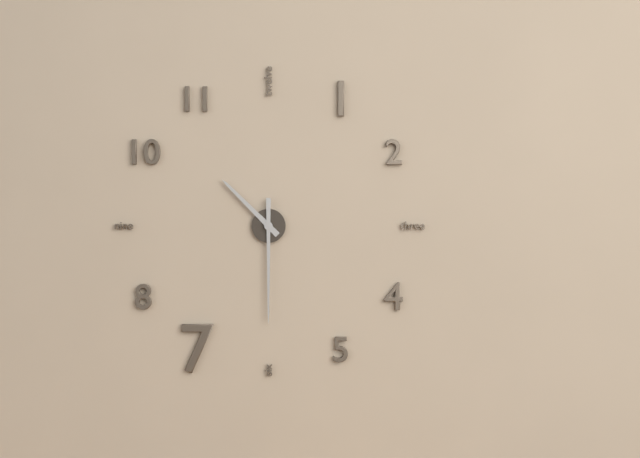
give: {"hour": 10, "minute": 30}
